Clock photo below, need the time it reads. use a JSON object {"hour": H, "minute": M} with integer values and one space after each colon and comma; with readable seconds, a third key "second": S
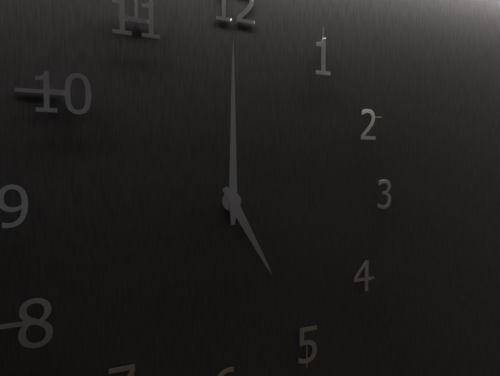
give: {"hour": 5, "minute": 0}
